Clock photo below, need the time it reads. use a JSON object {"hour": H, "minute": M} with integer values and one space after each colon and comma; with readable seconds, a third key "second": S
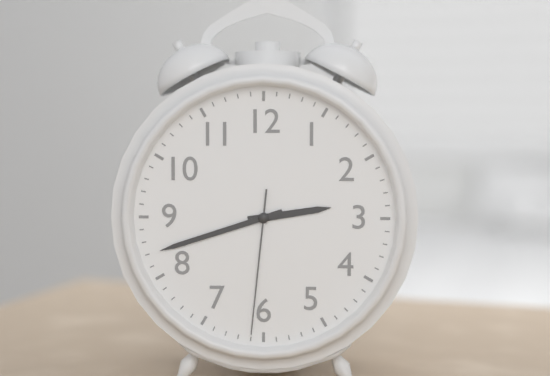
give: {"hour": 2, "minute": 42, "second": 31}
